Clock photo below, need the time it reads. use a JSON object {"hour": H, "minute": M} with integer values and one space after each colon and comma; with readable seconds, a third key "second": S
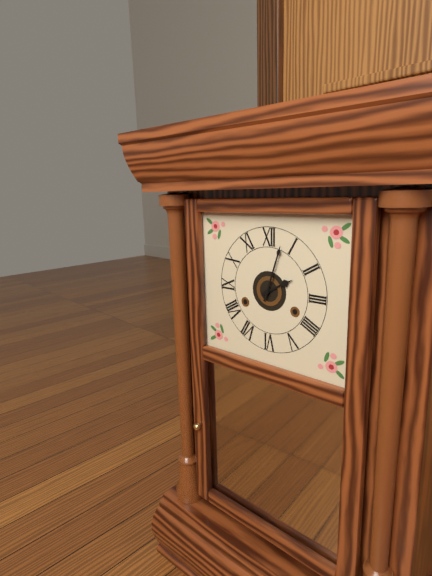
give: {"hour": 2, "minute": 3}
